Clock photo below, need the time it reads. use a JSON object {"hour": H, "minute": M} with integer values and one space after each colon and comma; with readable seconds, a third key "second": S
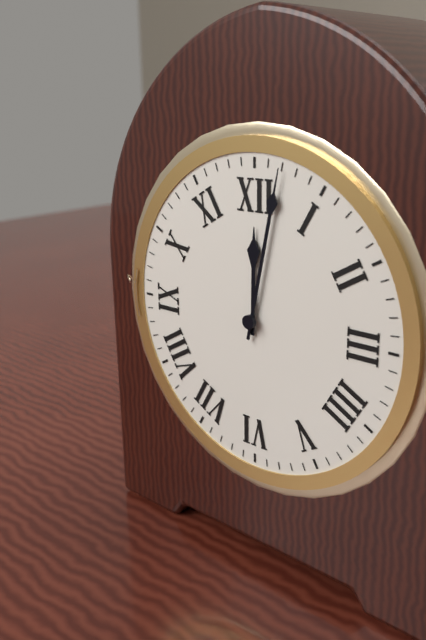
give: {"hour": 12, "minute": 2}
